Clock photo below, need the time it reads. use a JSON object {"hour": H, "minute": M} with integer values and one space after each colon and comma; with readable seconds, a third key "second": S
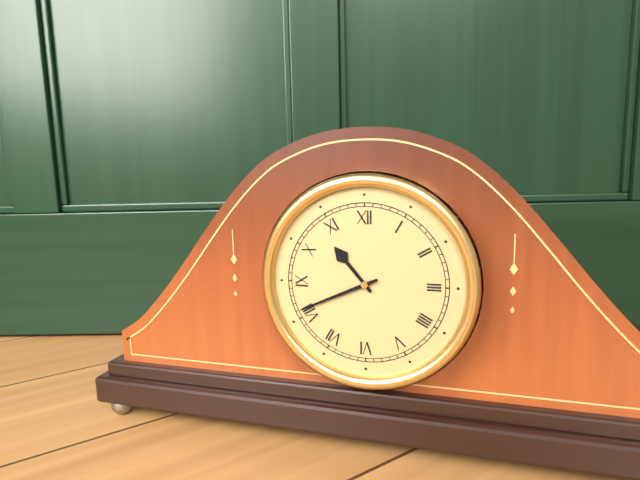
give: {"hour": 10, "minute": 41}
